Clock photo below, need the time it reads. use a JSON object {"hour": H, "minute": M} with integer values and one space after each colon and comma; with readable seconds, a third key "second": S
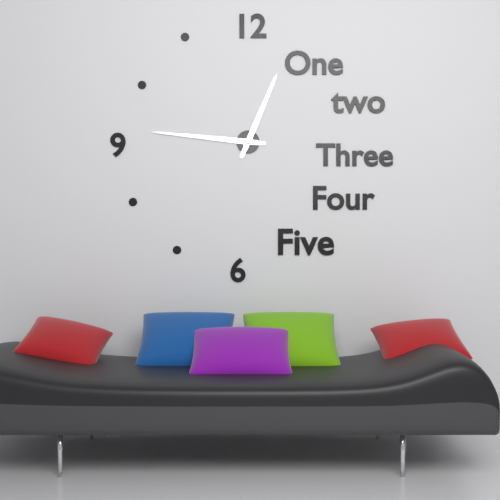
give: {"hour": 12, "minute": 46}
